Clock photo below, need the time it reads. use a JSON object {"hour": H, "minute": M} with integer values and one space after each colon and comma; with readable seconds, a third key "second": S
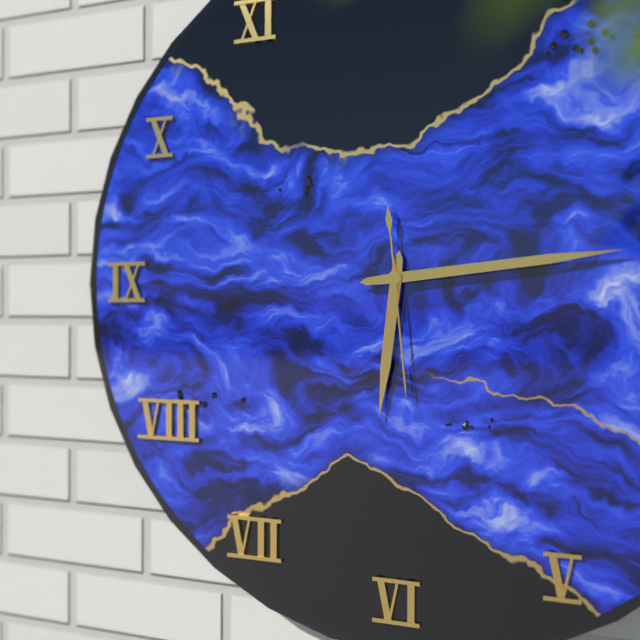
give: {"hour": 6, "minute": 14, "second": 29}
